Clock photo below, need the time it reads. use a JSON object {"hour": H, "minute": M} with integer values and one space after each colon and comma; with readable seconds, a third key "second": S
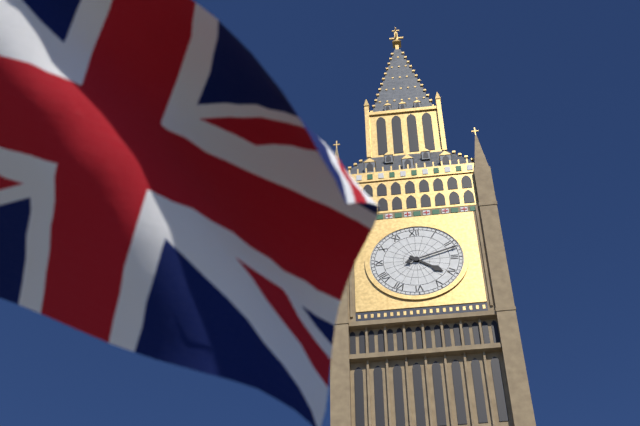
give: {"hour": 4, "minute": 12}
